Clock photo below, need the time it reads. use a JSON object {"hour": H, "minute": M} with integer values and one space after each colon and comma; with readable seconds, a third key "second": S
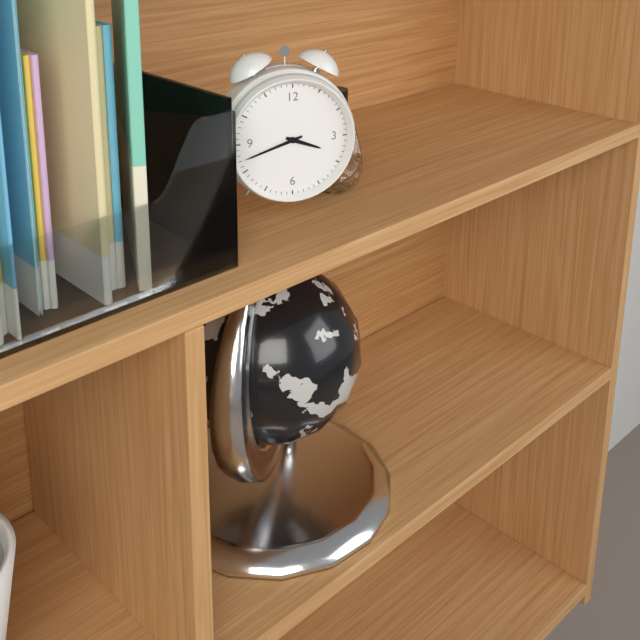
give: {"hour": 3, "minute": 42}
